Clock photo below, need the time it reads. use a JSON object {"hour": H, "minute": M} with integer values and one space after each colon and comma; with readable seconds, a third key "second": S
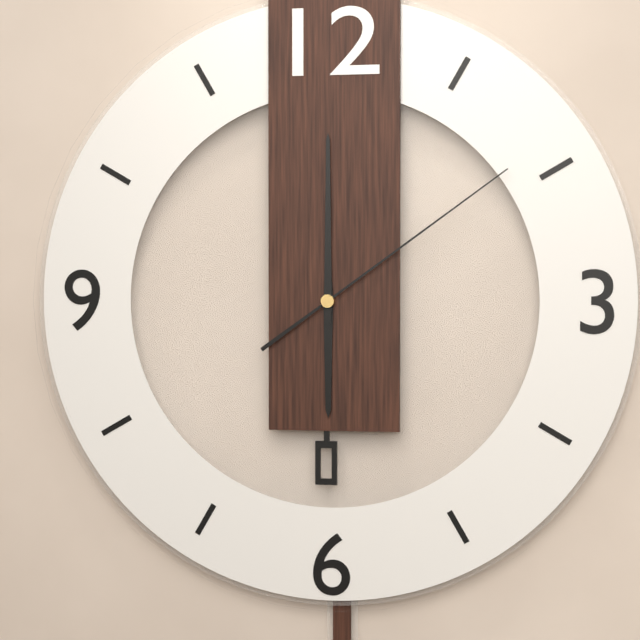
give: {"hour": 6, "minute": 0, "second": 9}
